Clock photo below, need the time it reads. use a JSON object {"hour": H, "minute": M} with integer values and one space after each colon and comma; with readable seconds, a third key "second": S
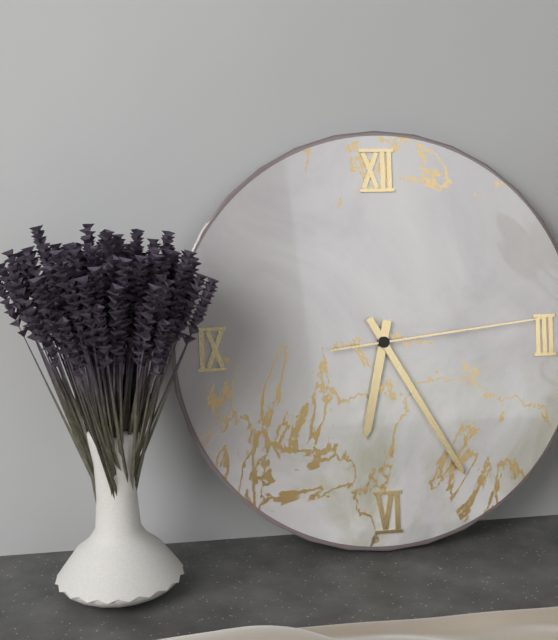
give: {"hour": 6, "minute": 25, "second": 14}
